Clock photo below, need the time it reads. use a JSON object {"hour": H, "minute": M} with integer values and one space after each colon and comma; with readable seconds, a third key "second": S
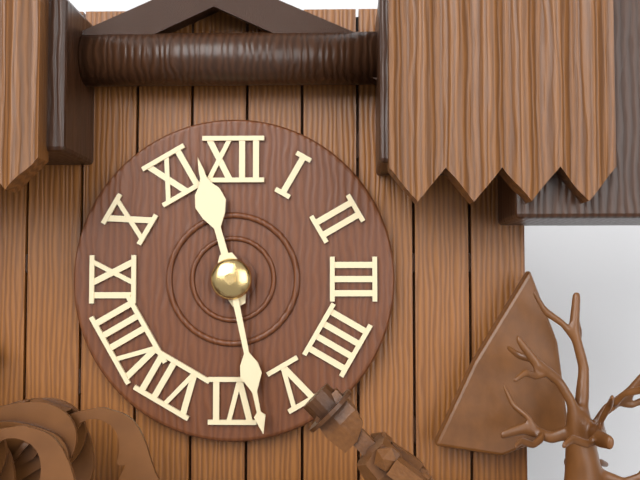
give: {"hour": 11, "minute": 28}
